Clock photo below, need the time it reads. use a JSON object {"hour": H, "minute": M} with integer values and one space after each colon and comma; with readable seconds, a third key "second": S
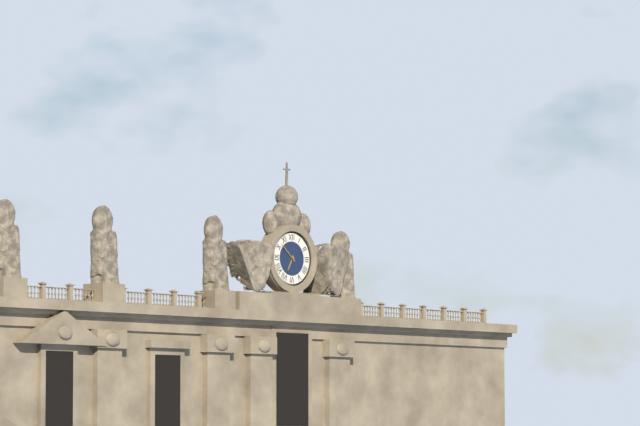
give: {"hour": 6, "minute": 52}
